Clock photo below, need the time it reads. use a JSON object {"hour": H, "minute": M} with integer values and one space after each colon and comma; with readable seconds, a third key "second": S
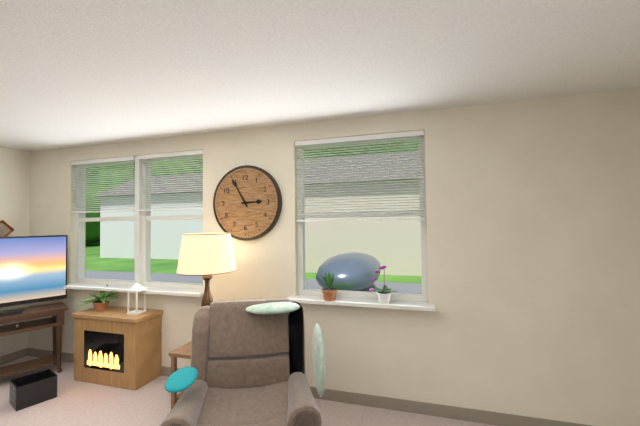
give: {"hour": 2, "minute": 55}
